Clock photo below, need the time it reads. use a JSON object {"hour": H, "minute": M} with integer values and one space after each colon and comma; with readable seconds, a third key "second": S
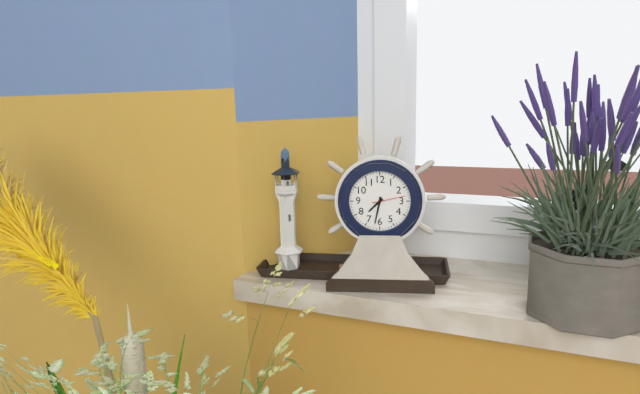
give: {"hour": 7, "minute": 32}
